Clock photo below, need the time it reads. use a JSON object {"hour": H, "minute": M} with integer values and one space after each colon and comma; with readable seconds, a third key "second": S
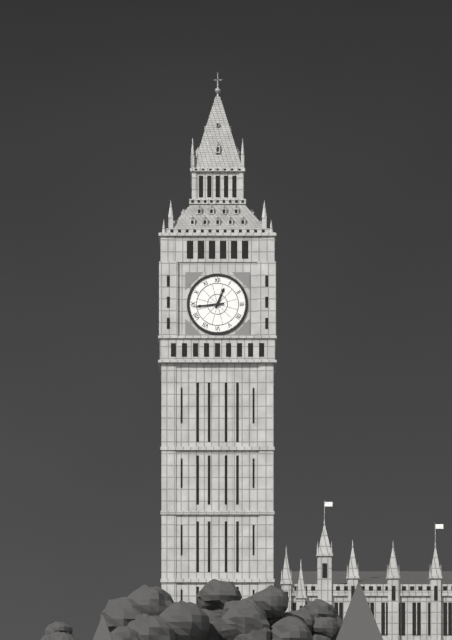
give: {"hour": 12, "minute": 44}
